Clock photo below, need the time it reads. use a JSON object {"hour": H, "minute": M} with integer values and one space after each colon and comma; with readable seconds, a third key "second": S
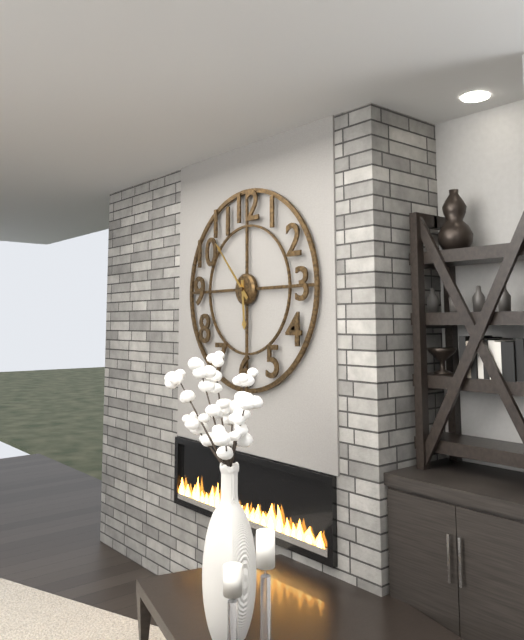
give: {"hour": 5, "minute": 53}
